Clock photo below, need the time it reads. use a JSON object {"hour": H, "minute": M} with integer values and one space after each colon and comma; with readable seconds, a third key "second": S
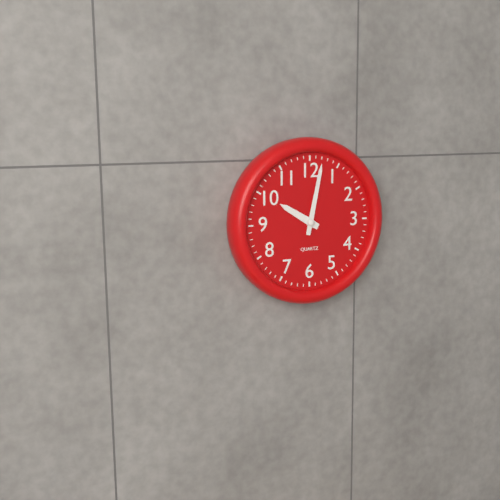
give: {"hour": 10, "minute": 2}
